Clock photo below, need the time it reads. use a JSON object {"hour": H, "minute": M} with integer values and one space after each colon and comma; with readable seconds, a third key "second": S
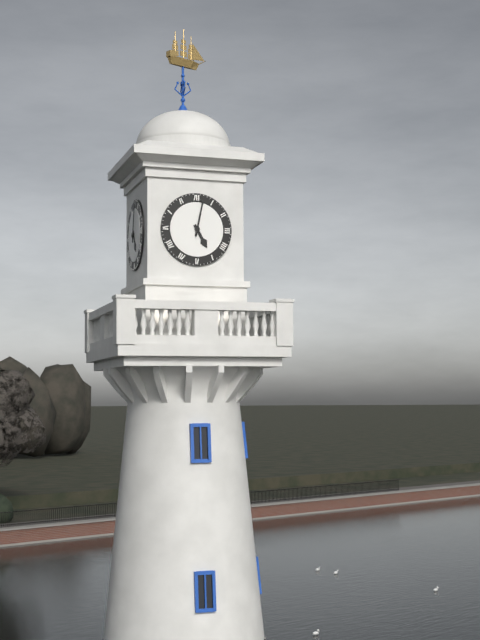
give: {"hour": 5, "minute": 2}
